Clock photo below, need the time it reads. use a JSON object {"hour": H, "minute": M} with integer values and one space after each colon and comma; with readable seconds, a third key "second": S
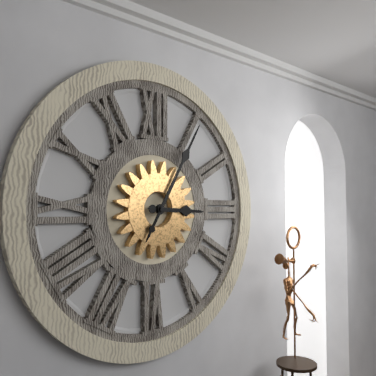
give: {"hour": 3, "minute": 5}
